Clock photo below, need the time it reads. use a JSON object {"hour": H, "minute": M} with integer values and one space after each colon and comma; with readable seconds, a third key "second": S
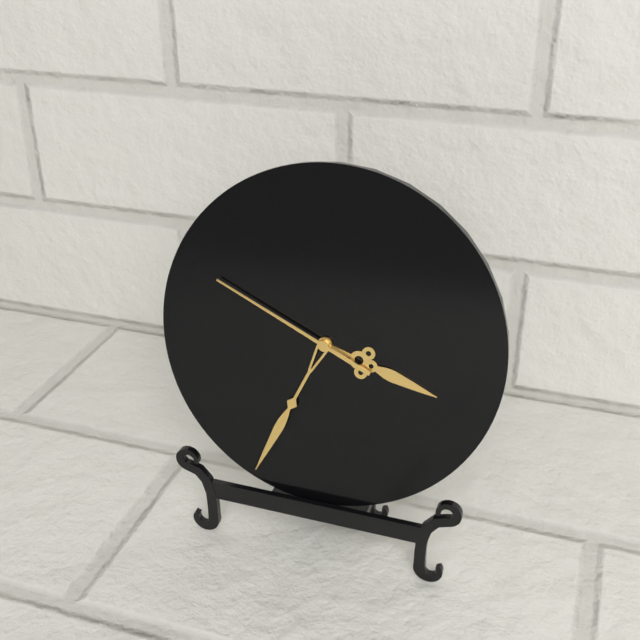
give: {"hour": 3, "minute": 34, "second": 49}
